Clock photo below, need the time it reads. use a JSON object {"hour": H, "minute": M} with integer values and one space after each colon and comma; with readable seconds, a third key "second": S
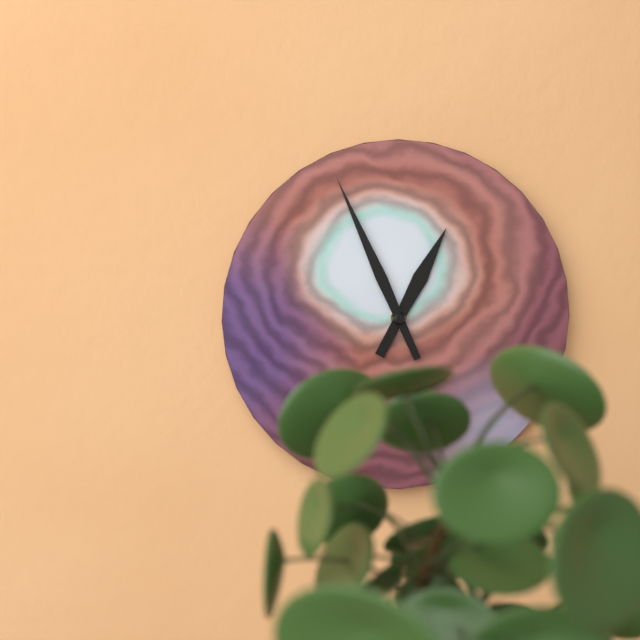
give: {"hour": 12, "minute": 56}
